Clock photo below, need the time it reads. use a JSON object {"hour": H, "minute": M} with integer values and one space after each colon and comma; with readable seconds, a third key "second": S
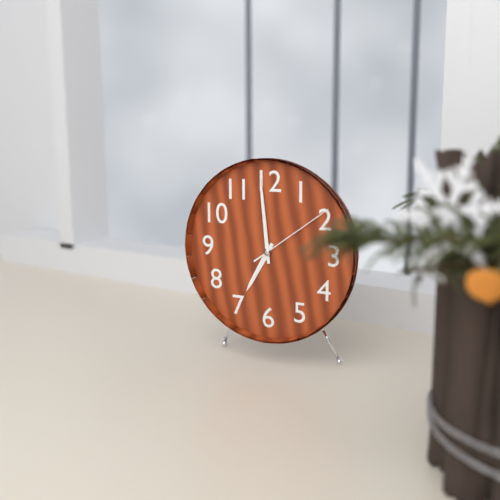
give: {"hour": 6, "minute": 59, "second": 9}
